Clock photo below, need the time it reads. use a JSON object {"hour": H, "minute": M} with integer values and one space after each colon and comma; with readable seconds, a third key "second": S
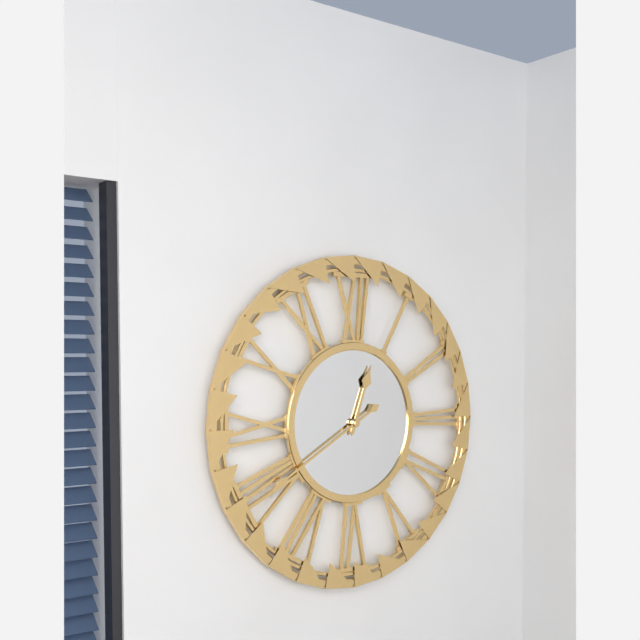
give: {"hour": 12, "minute": 40}
